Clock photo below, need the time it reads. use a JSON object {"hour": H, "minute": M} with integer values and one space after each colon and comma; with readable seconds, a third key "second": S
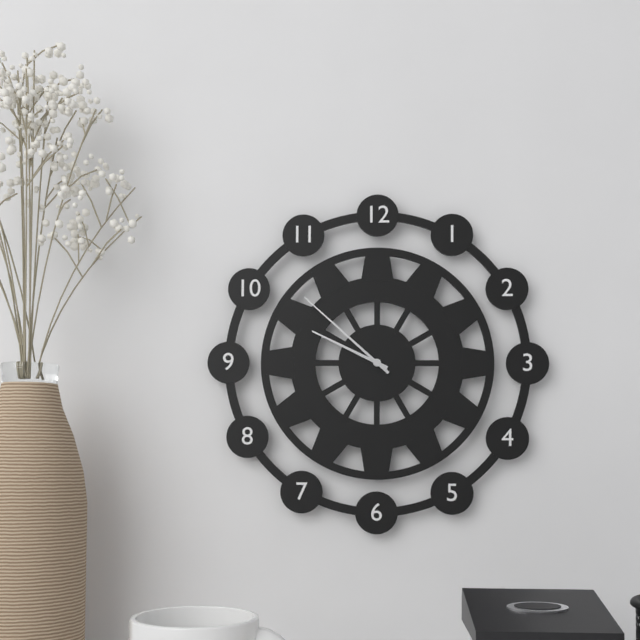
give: {"hour": 9, "minute": 52}
